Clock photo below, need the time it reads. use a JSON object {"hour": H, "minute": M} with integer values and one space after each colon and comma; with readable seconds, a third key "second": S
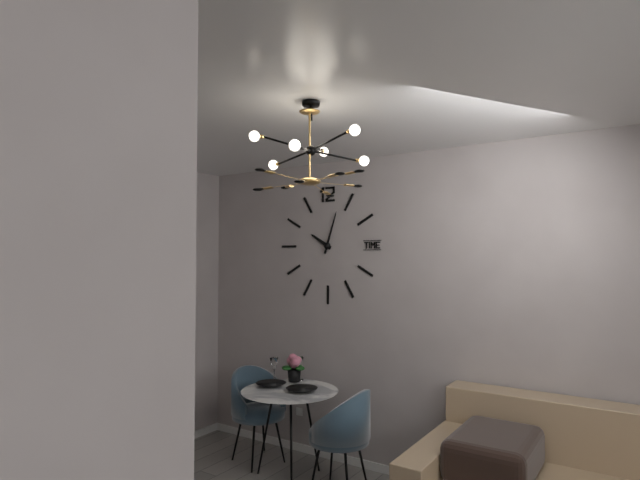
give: {"hour": 10, "minute": 3}
